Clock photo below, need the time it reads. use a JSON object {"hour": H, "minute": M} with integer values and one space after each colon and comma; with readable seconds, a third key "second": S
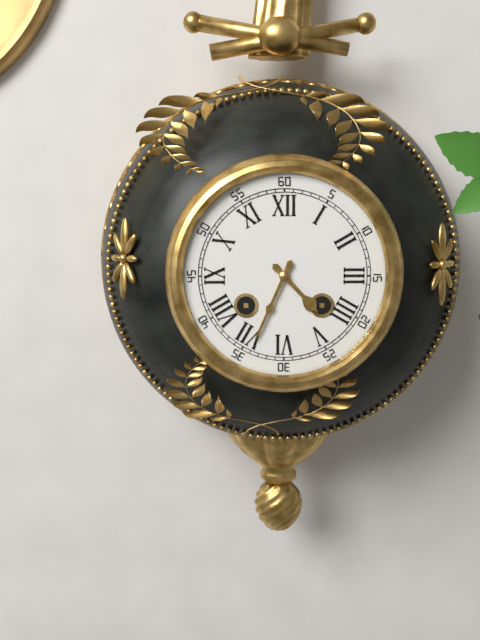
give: {"hour": 4, "minute": 34}
